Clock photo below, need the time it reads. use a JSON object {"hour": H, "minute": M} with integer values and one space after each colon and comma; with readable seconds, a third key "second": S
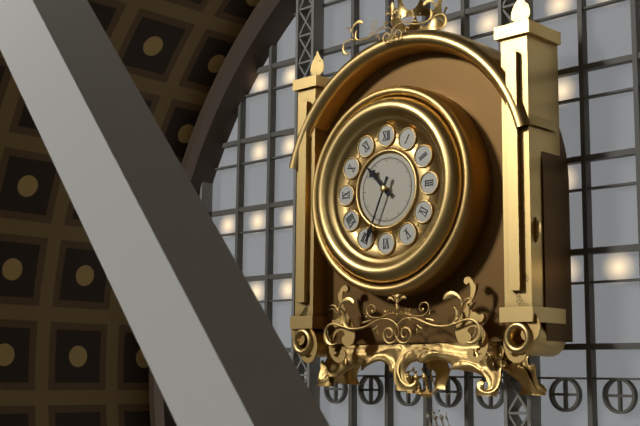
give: {"hour": 10, "minute": 34}
